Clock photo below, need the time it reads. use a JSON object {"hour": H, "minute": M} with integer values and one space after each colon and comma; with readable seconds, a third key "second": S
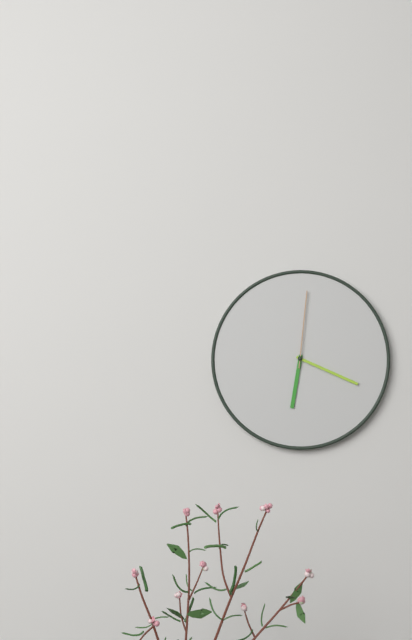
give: {"hour": 6, "minute": 19, "second": 1}
